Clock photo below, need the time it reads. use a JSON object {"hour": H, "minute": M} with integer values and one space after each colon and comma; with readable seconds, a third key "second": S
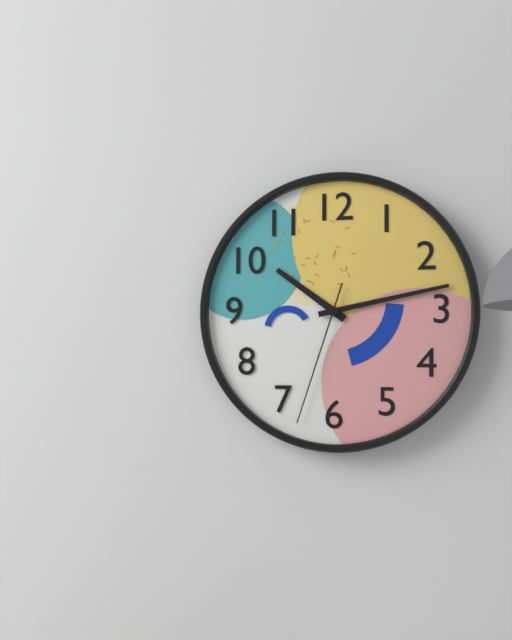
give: {"hour": 10, "minute": 13, "second": 33}
